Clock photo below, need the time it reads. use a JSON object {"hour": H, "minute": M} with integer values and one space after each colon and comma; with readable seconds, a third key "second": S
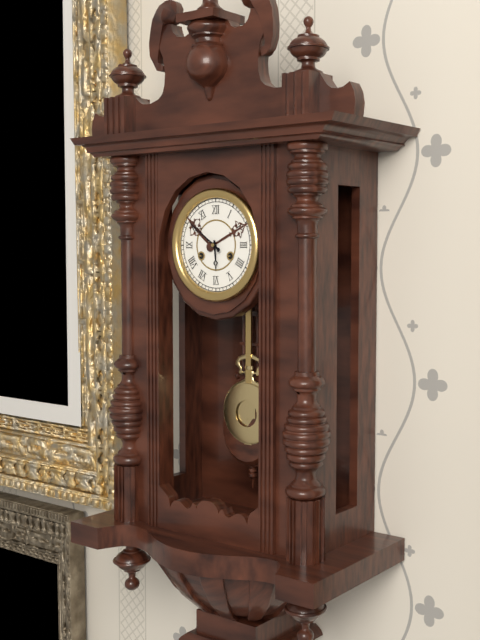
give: {"hour": 5, "minute": 51}
